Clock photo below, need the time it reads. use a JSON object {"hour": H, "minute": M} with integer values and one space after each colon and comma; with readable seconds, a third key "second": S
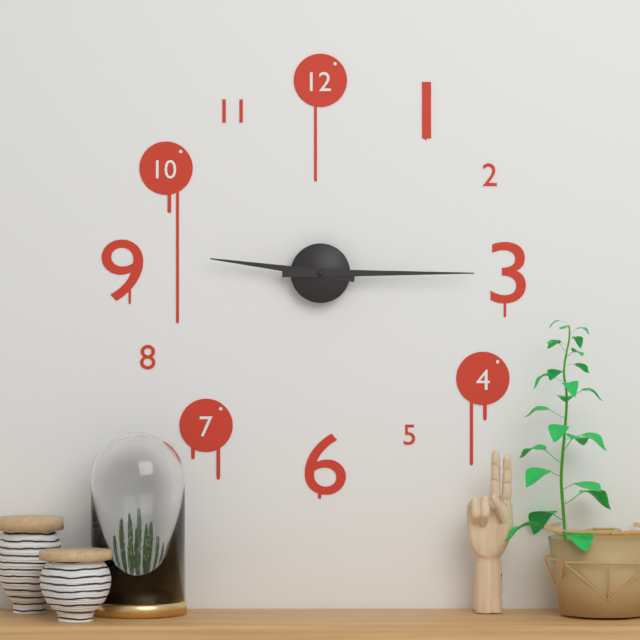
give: {"hour": 9, "minute": 15}
